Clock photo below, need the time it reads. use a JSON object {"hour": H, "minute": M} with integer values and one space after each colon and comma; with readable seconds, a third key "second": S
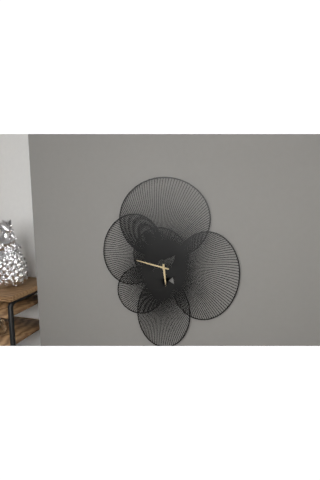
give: {"hour": 5, "minute": 47}
